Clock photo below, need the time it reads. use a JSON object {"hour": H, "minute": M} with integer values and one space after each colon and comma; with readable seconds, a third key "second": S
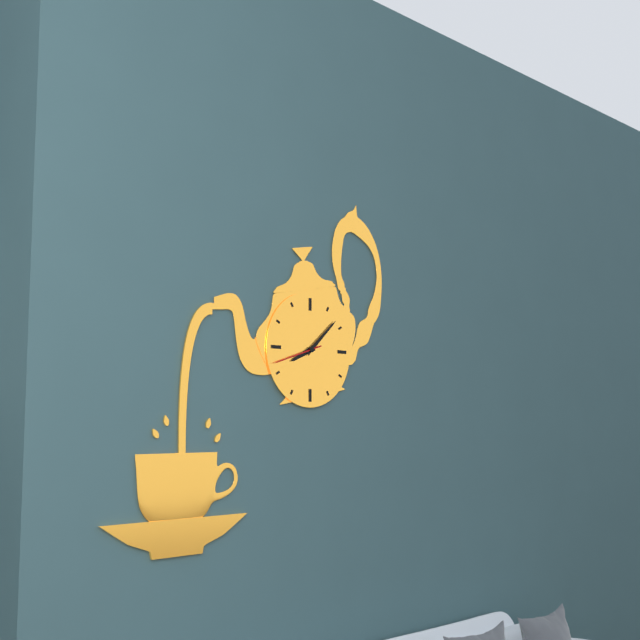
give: {"hour": 8, "minute": 8, "second": 42}
